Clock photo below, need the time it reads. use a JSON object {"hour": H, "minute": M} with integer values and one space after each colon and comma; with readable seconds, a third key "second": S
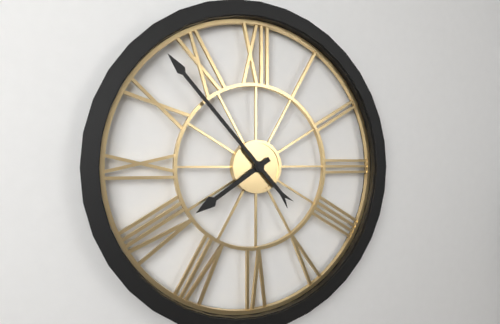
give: {"hour": 7, "minute": 53}
